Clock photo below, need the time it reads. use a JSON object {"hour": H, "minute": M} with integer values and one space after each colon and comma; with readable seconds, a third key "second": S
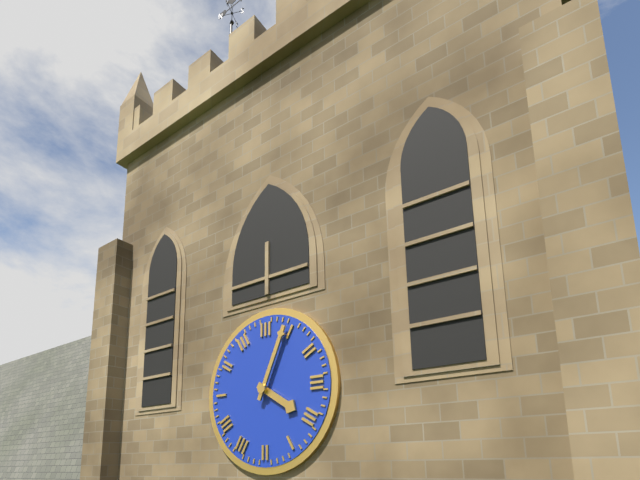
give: {"hour": 4, "minute": 4}
